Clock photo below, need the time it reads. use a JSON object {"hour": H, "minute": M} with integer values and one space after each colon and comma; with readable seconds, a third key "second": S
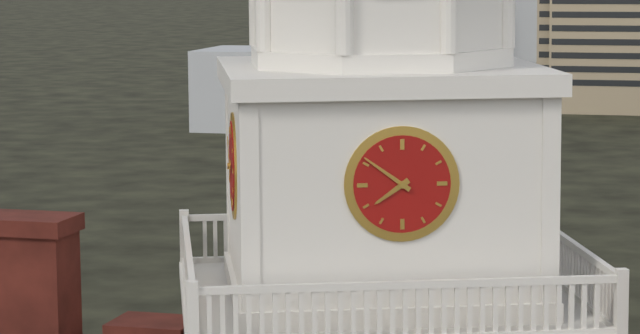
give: {"hour": 7, "minute": 51}
